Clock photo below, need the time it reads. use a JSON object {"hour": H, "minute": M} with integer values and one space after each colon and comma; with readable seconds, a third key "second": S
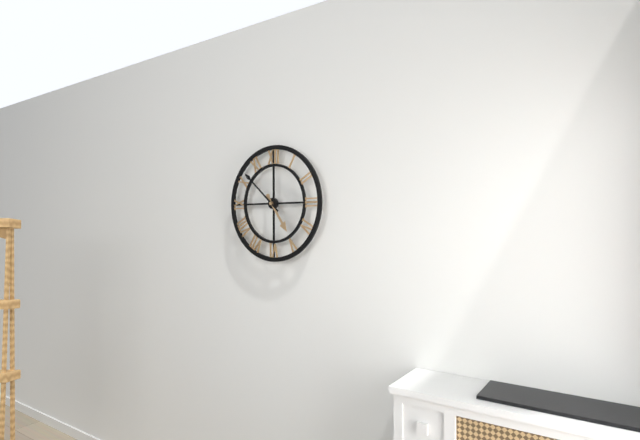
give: {"hour": 4, "minute": 52}
